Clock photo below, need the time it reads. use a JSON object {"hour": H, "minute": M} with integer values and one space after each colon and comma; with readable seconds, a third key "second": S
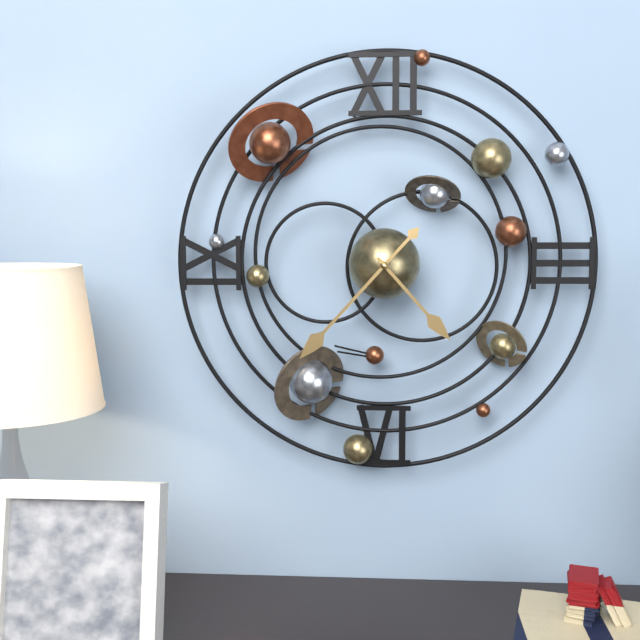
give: {"hour": 4, "minute": 37}
